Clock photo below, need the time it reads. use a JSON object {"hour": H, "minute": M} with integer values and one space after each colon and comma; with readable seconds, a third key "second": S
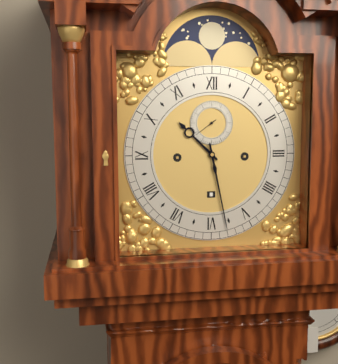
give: {"hour": 10, "minute": 28}
